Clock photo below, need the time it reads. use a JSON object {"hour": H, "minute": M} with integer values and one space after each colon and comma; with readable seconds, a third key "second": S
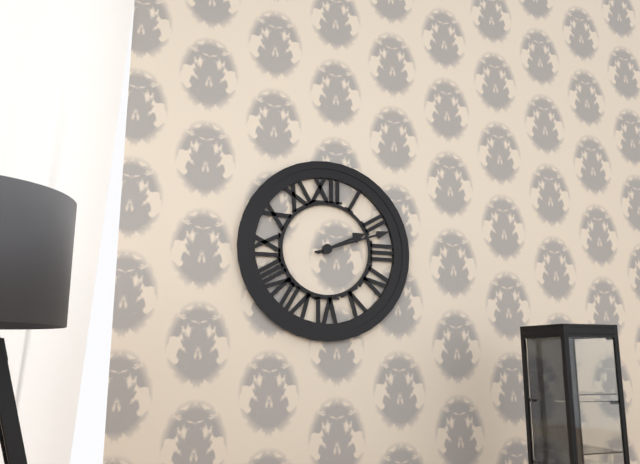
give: {"hour": 2, "minute": 12}
